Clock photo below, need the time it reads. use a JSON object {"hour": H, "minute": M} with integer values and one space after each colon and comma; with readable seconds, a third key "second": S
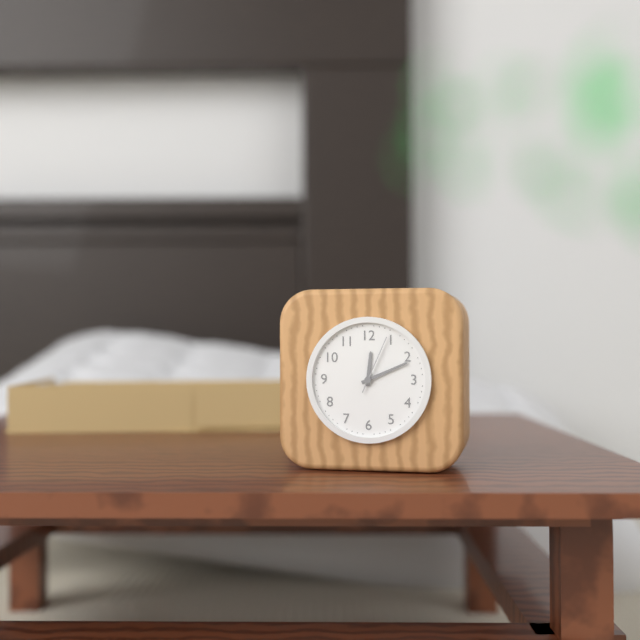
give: {"hour": 12, "minute": 11, "second": 4}
